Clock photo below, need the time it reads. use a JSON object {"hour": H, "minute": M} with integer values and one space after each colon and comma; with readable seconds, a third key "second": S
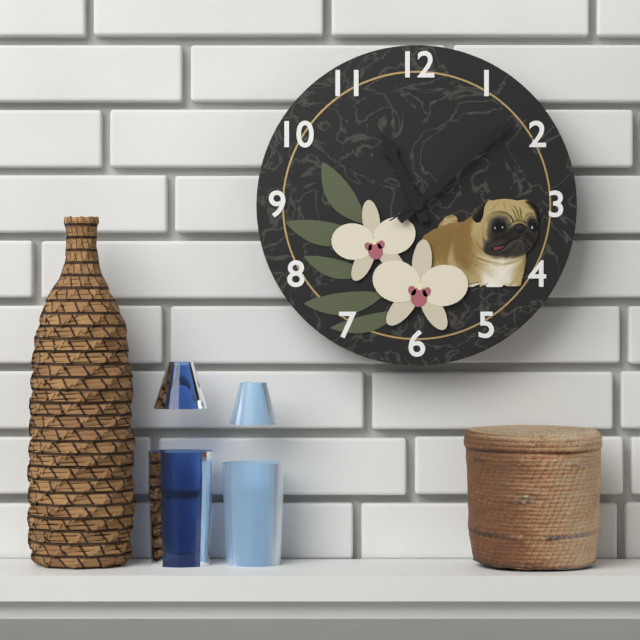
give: {"hour": 11, "minute": 8, "second": 10}
